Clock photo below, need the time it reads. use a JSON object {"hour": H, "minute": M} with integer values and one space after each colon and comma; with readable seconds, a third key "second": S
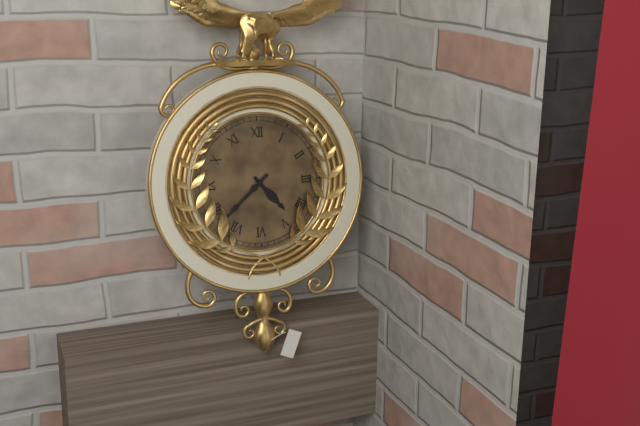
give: {"hour": 4, "minute": 38}
